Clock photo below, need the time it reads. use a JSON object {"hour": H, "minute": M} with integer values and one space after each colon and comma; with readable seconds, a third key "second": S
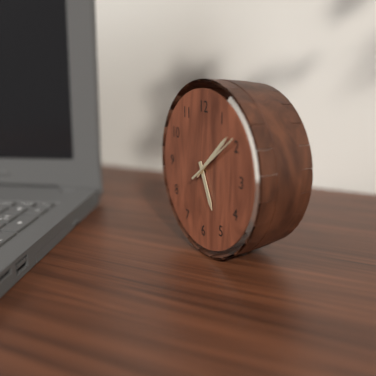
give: {"hour": 5, "minute": 8, "second": 9}
